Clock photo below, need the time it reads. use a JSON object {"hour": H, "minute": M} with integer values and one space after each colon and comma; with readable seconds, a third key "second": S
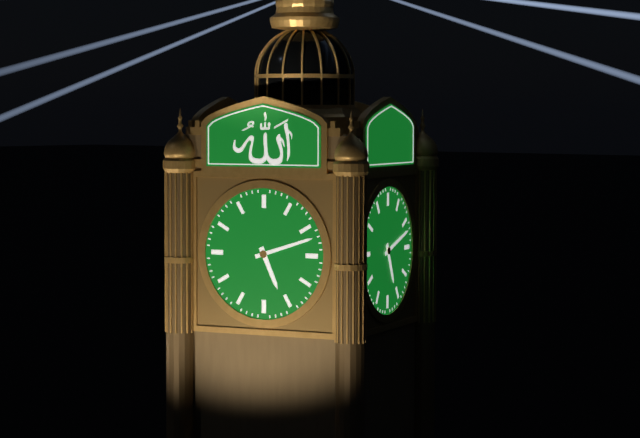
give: {"hour": 5, "minute": 12}
